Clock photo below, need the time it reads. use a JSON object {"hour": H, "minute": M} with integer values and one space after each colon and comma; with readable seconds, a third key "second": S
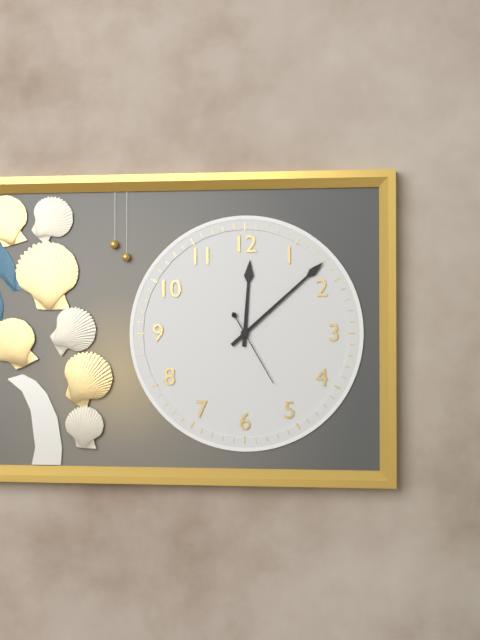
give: {"hour": 12, "minute": 8, "second": 25}
